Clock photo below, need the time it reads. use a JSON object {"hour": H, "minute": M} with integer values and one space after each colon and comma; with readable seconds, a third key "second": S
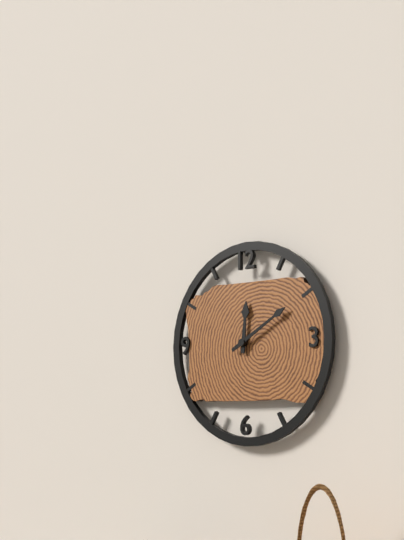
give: {"hour": 12, "minute": 10}
